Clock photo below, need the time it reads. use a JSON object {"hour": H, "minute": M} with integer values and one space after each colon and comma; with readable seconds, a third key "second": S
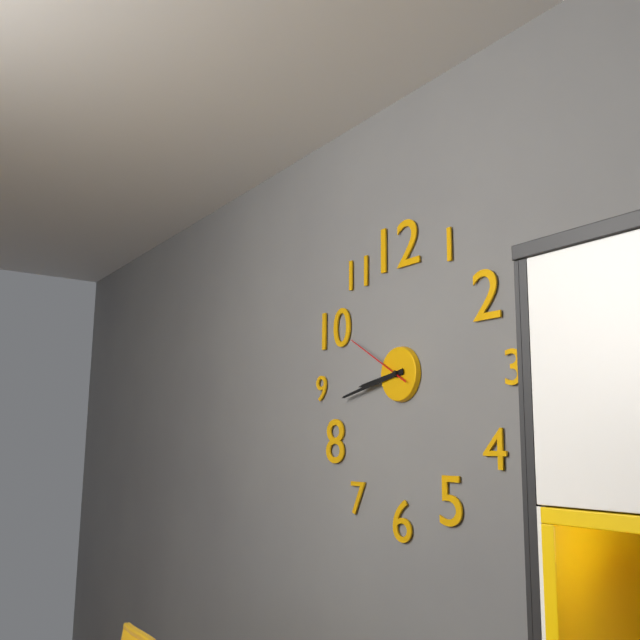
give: {"hour": 8, "minute": 43, "second": 50}
